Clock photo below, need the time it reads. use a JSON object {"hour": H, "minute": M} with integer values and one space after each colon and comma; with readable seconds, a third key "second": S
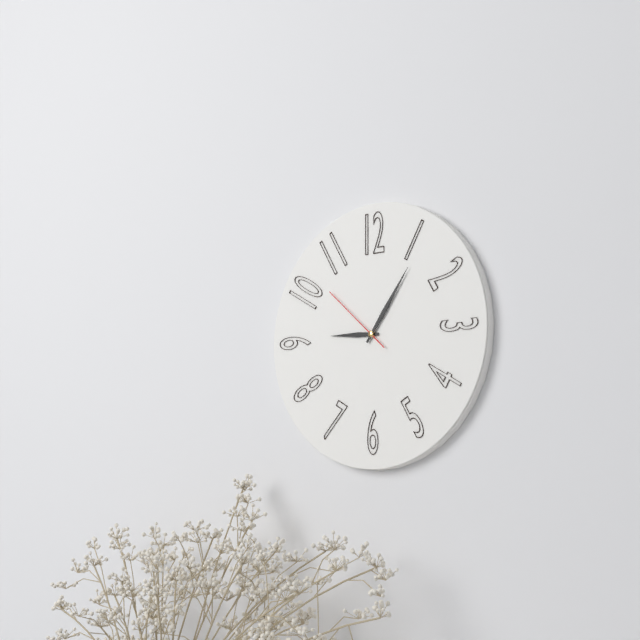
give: {"hour": 9, "minute": 6, "second": 52}
